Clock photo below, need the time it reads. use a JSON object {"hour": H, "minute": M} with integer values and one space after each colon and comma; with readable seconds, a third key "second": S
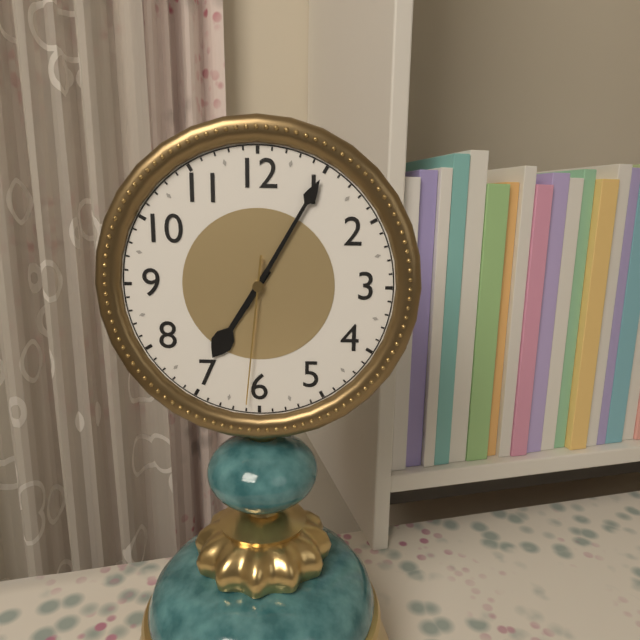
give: {"hour": 7, "minute": 5, "second": 31}
